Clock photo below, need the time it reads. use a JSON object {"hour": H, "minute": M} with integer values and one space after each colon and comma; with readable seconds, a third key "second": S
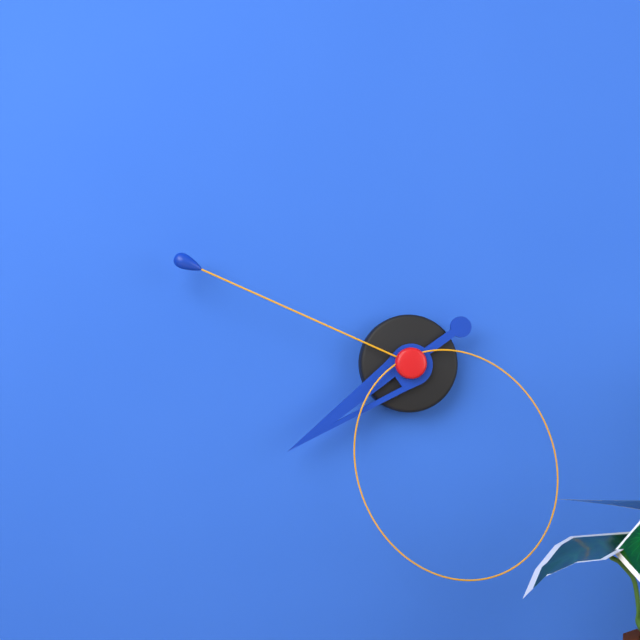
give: {"hour": 7, "minute": 49, "second": 26}
